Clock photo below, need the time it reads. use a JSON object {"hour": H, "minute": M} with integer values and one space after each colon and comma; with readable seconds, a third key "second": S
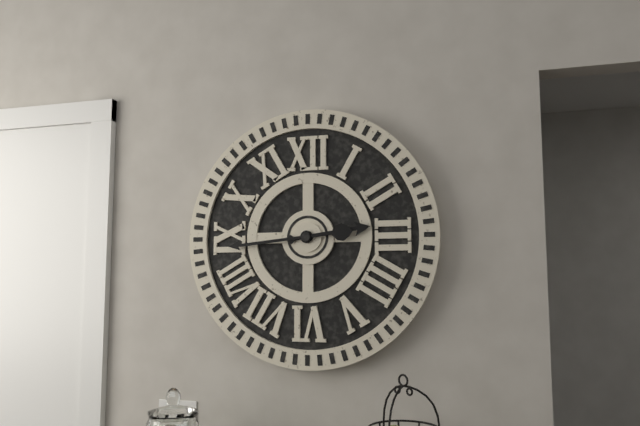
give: {"hour": 2, "minute": 44}
